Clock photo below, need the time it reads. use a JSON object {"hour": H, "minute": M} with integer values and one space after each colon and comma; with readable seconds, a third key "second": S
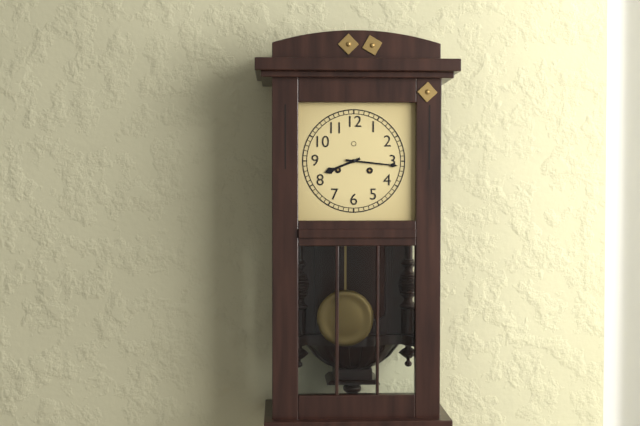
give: {"hour": 8, "minute": 16}
